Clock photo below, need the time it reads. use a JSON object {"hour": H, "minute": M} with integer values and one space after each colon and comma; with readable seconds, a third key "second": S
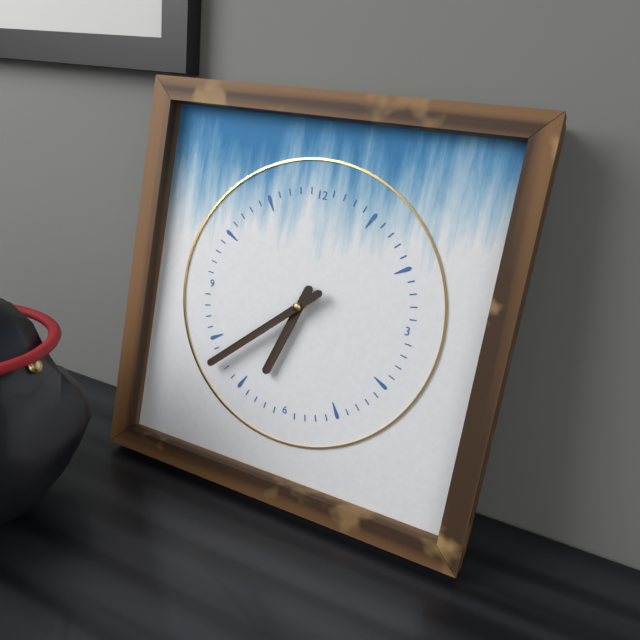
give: {"hour": 6, "minute": 38}
